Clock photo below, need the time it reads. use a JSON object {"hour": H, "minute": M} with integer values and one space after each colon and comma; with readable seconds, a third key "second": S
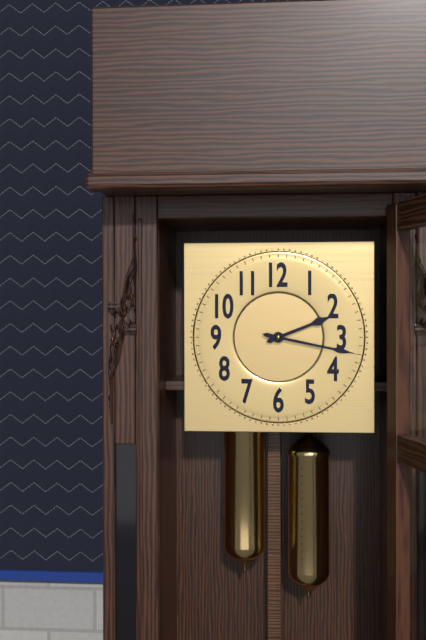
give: {"hour": 2, "minute": 17}
